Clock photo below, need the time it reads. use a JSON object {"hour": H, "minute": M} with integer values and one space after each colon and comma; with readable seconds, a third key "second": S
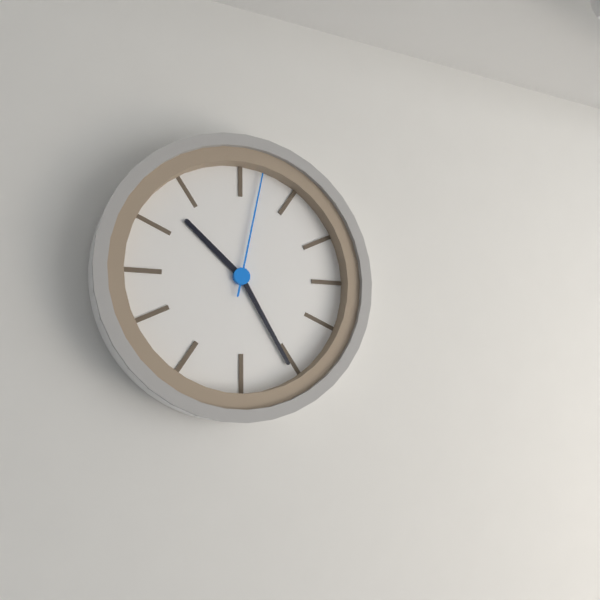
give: {"hour": 10, "minute": 25, "second": 2}
